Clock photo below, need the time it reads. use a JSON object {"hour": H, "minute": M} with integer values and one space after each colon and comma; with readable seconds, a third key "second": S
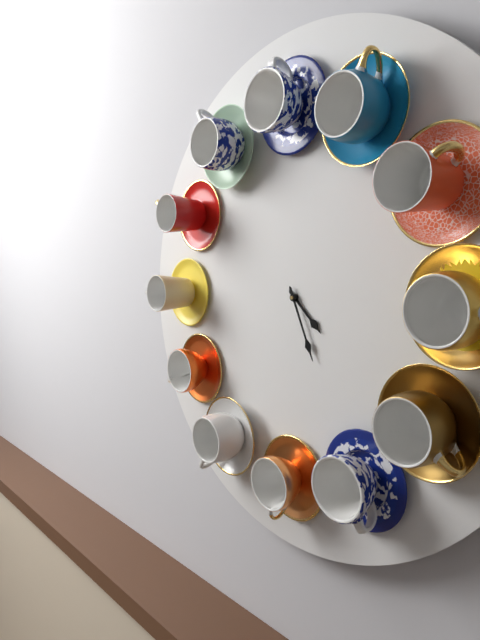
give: {"hour": 4, "minute": 26}
